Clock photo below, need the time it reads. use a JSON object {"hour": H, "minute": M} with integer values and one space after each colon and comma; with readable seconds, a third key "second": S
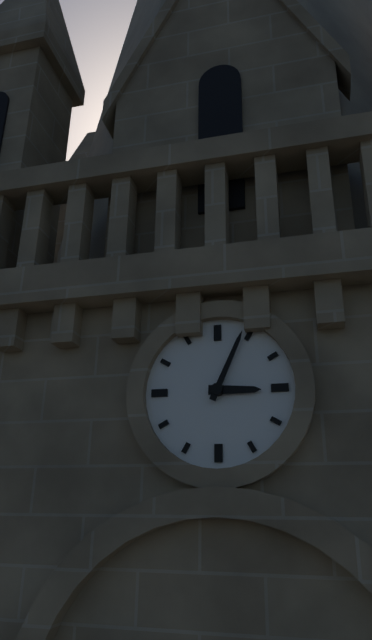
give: {"hour": 3, "minute": 4}
